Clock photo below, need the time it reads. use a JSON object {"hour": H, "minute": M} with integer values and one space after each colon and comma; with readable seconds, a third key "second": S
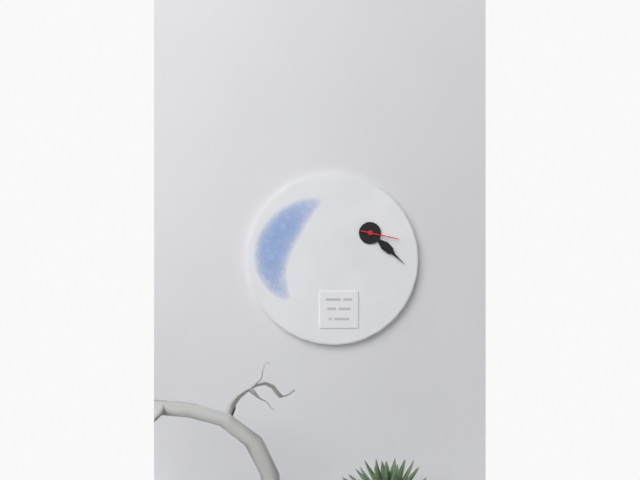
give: {"hour": 4, "minute": 22}
